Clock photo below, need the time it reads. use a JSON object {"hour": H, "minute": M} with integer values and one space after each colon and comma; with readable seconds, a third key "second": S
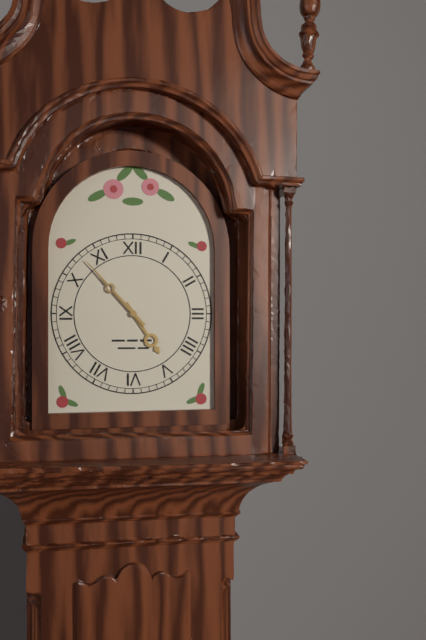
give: {"hour": 4, "minute": 53}
